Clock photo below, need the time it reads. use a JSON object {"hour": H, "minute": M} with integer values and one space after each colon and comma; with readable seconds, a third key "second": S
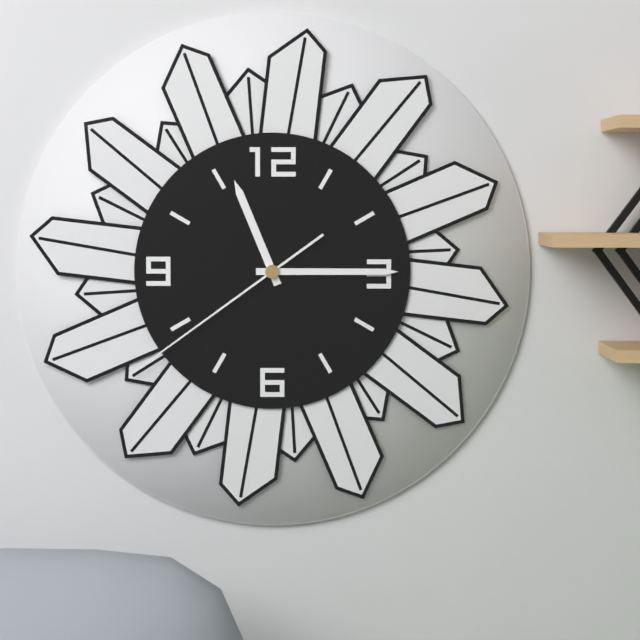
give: {"hour": 11, "minute": 15, "second": 39}
